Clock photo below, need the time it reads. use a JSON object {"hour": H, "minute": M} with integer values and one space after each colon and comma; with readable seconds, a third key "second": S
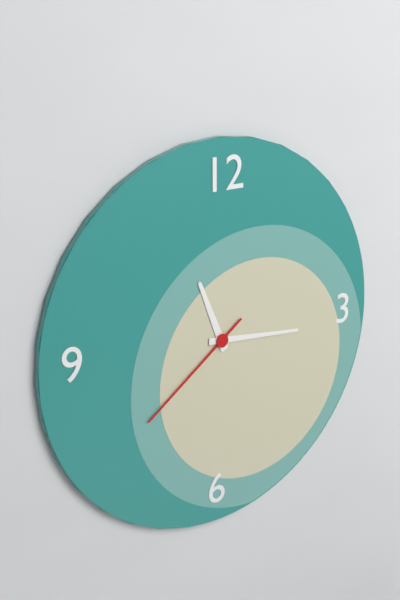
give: {"hour": 11, "minute": 16, "second": 39}
